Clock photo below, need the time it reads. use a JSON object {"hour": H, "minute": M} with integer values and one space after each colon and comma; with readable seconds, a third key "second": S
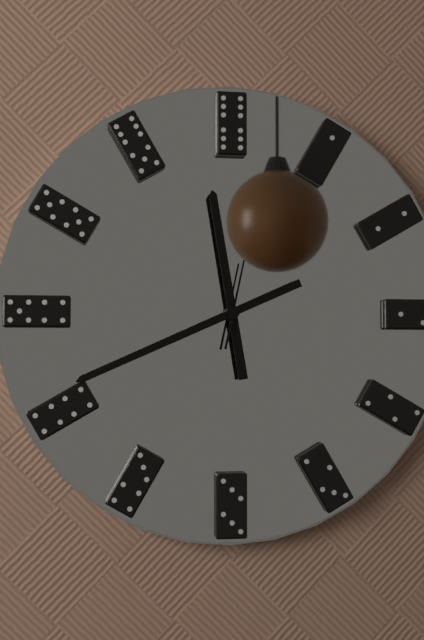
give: {"hour": 11, "minute": 41, "second": 2}
